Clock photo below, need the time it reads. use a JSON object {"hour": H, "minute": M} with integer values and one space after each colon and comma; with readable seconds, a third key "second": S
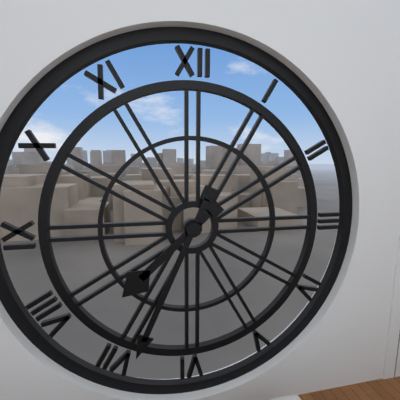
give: {"hour": 7, "minute": 34}
